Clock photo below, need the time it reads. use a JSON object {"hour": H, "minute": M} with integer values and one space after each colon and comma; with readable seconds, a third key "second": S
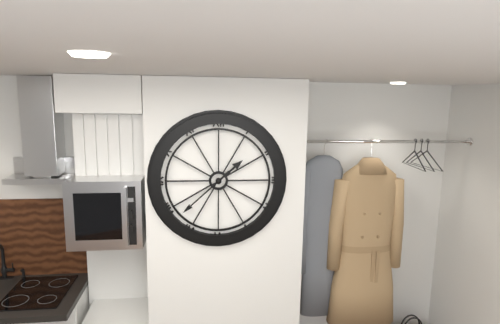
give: {"hour": 1, "minute": 38}
